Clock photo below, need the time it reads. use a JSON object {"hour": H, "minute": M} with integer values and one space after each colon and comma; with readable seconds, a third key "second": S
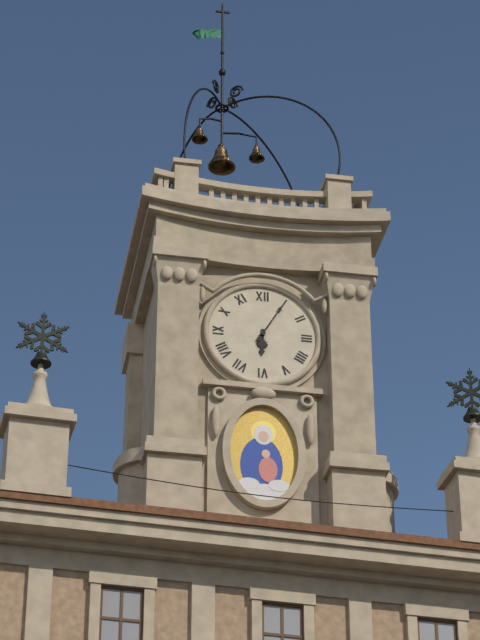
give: {"hour": 6, "minute": 5}
